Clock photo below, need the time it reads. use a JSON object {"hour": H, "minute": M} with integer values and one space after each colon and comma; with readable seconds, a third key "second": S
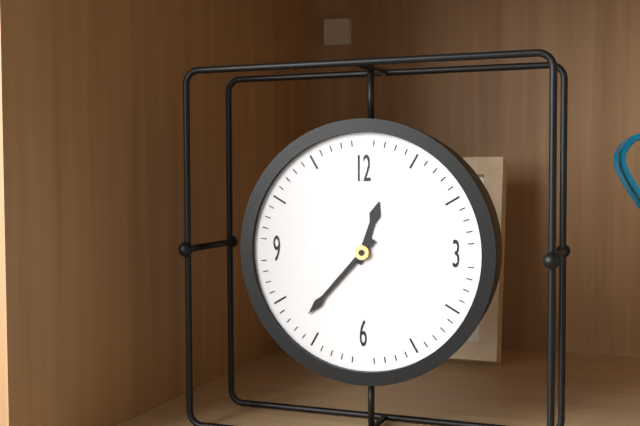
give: {"hour": 12, "minute": 37}
